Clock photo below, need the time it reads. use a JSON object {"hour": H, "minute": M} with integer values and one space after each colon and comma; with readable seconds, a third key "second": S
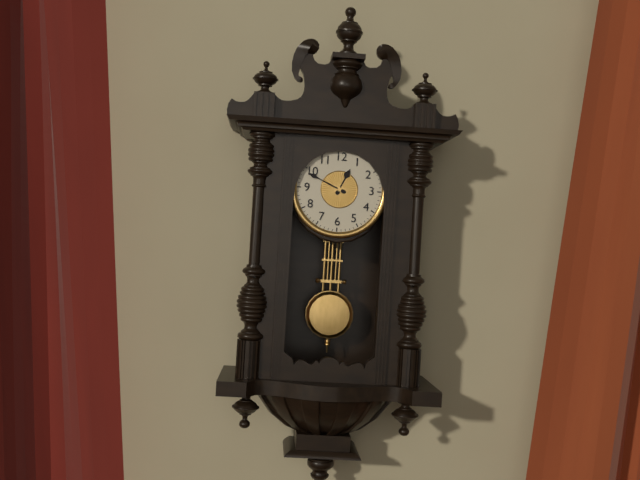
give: {"hour": 12, "minute": 49}
